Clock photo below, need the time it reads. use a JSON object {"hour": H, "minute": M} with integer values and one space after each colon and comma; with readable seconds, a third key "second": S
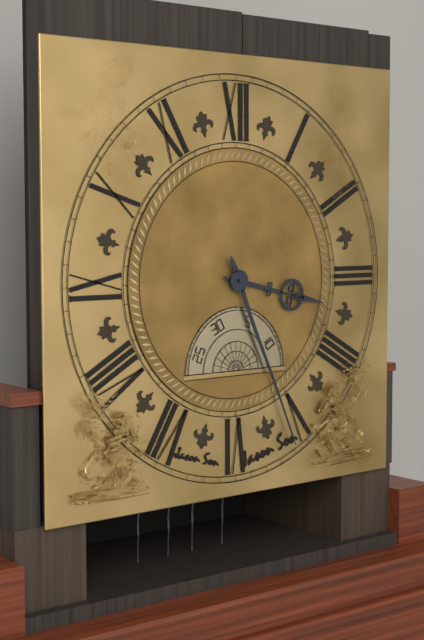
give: {"hour": 3, "minute": 26}
